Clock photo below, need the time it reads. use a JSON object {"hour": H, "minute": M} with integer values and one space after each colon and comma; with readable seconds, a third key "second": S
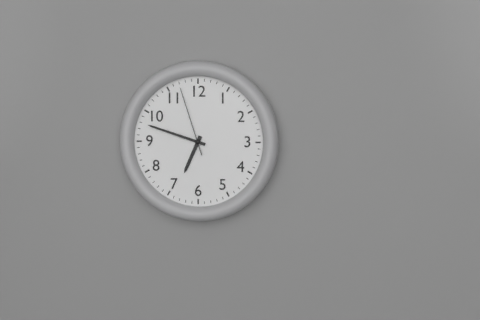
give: {"hour": 6, "minute": 48, "second": 57}
